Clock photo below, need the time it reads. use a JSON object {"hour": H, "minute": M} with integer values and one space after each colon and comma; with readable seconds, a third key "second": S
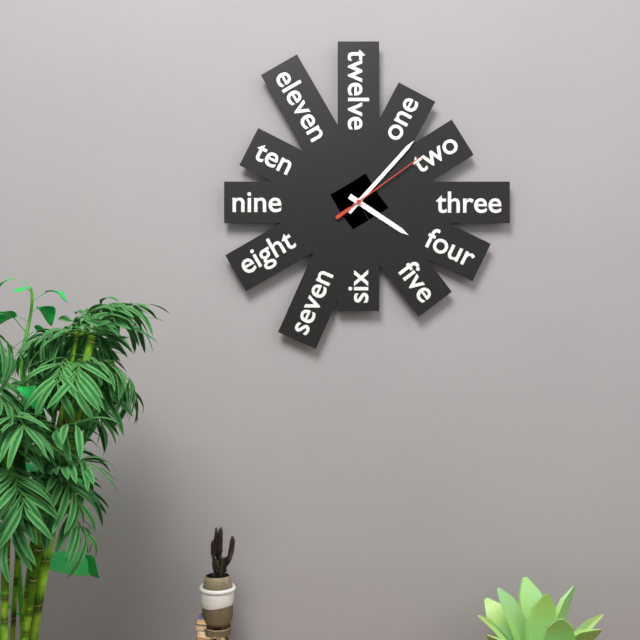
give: {"hour": 4, "minute": 7, "second": 9}
